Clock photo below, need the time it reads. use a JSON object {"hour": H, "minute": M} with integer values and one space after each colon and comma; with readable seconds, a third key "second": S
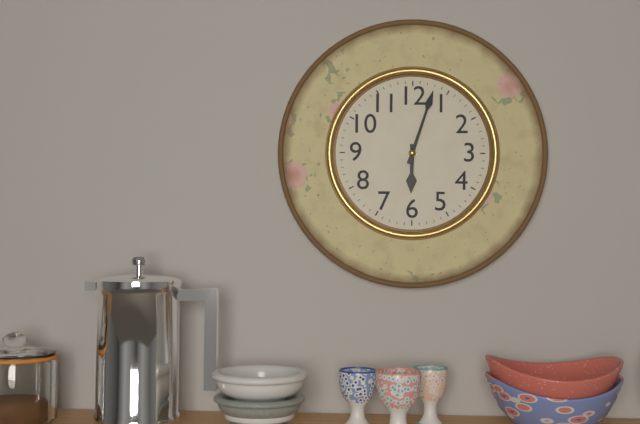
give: {"hour": 6, "minute": 3}
